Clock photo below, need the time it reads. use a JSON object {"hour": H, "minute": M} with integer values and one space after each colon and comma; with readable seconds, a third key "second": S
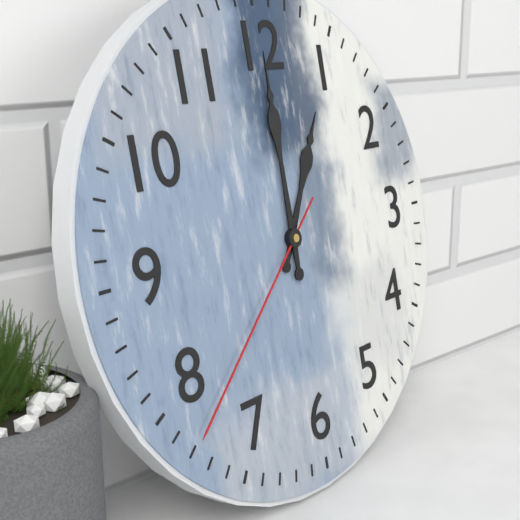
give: {"hour": 1, "minute": 0, "second": 38}
